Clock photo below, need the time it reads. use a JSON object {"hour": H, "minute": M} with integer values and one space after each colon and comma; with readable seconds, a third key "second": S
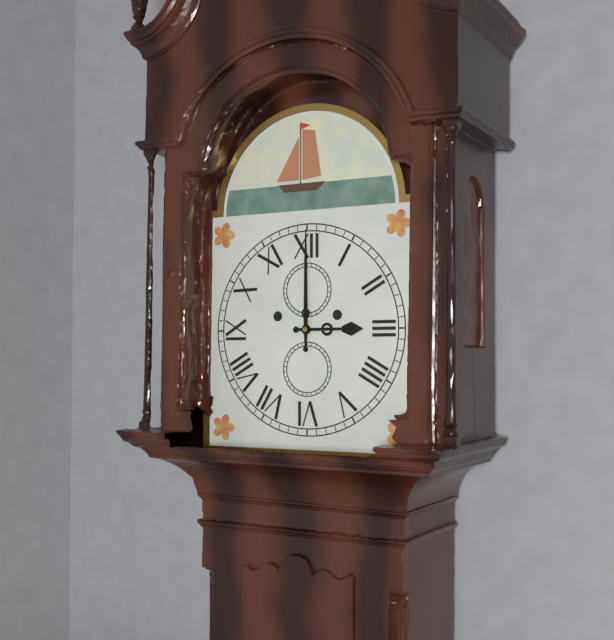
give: {"hour": 3, "minute": 0}
